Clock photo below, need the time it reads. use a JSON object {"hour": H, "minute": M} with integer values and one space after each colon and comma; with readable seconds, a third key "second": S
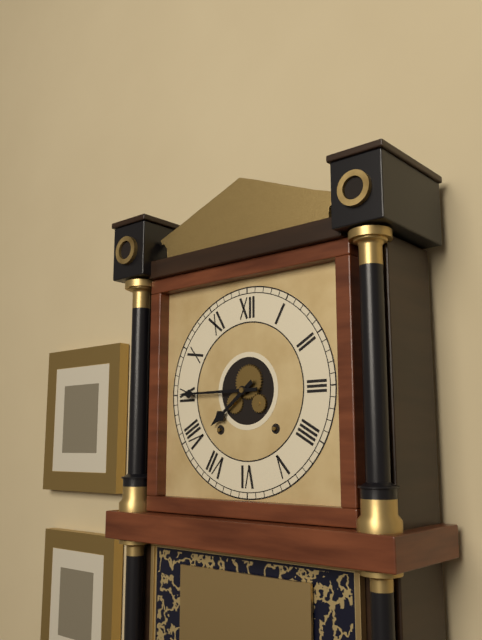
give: {"hour": 7, "minute": 45}
